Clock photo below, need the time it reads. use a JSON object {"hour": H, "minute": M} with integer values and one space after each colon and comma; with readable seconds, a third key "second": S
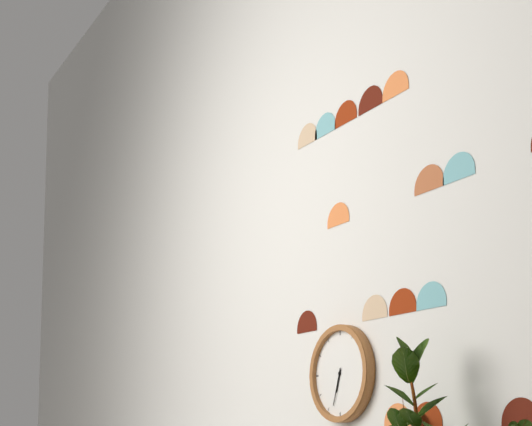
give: {"hour": 6, "minute": 33}
